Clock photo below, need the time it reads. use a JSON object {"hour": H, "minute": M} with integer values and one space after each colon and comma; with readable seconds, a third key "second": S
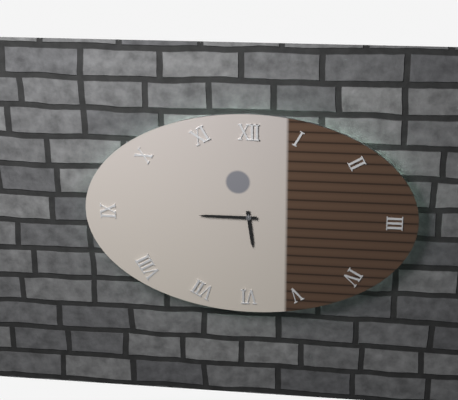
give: {"hour": 5, "minute": 45}
